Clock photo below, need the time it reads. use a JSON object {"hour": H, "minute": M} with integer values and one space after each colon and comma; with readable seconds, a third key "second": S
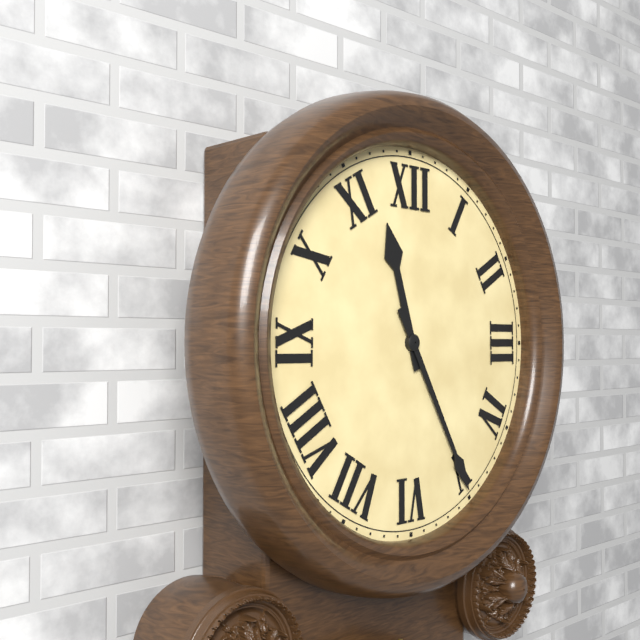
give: {"hour": 11, "minute": 25}
